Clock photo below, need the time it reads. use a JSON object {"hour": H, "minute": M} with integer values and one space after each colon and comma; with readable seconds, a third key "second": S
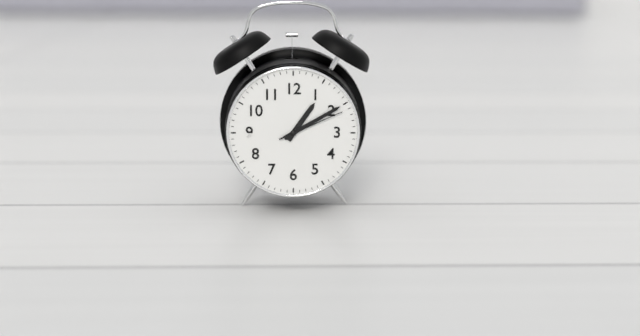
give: {"hour": 1, "minute": 10, "second": 11}
